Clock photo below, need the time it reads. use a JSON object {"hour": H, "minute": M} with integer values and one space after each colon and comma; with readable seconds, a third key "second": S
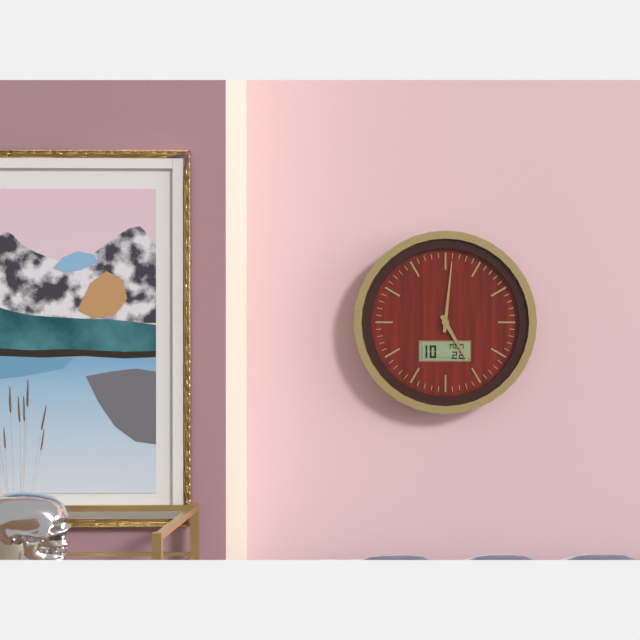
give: {"hour": 5, "minute": 1}
